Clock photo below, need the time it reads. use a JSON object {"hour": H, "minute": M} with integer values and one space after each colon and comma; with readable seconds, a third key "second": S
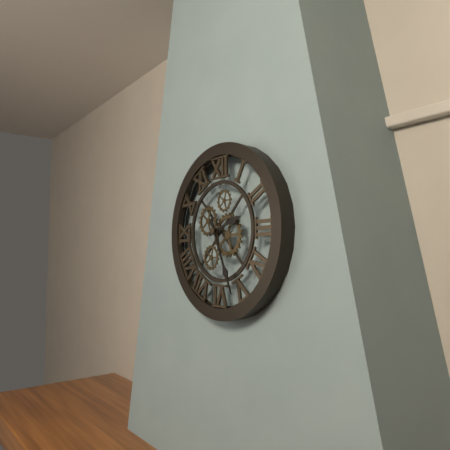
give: {"hour": 2, "minute": 26}
